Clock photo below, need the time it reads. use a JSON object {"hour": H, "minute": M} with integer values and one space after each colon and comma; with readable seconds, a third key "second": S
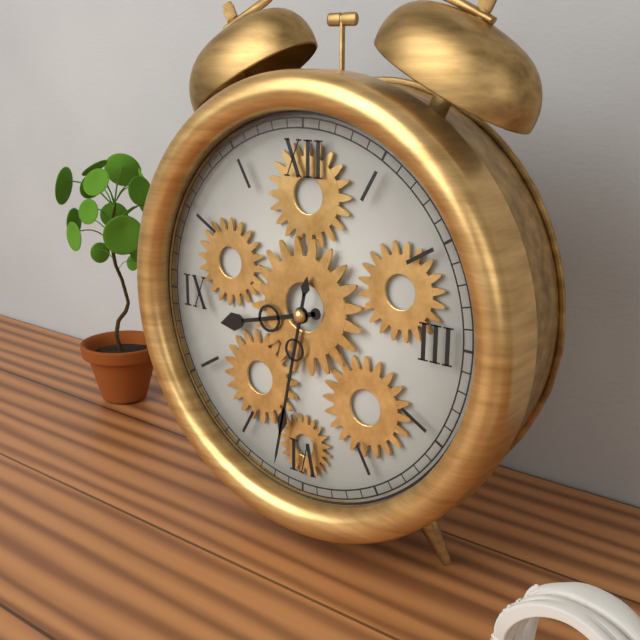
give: {"hour": 8, "minute": 32}
